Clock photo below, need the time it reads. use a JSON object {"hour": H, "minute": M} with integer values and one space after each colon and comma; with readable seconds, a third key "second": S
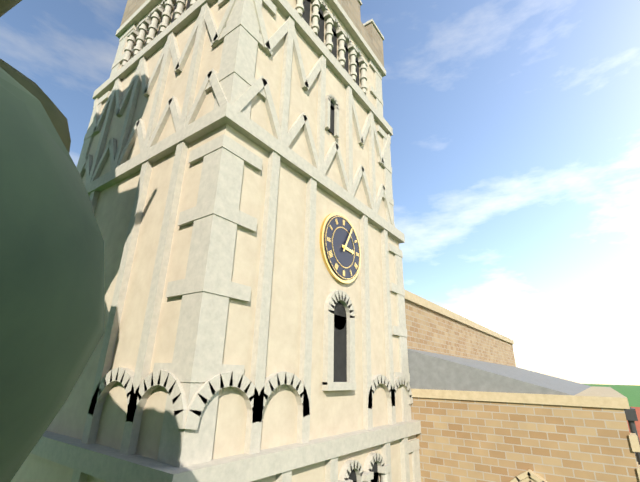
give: {"hour": 3, "minute": 5}
